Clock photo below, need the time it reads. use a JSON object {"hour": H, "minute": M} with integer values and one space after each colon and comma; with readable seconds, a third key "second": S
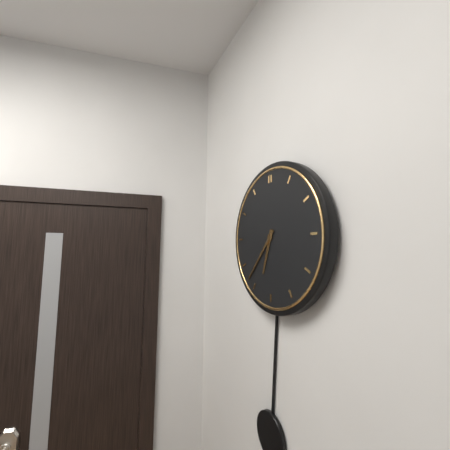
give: {"hour": 6, "minute": 37}
